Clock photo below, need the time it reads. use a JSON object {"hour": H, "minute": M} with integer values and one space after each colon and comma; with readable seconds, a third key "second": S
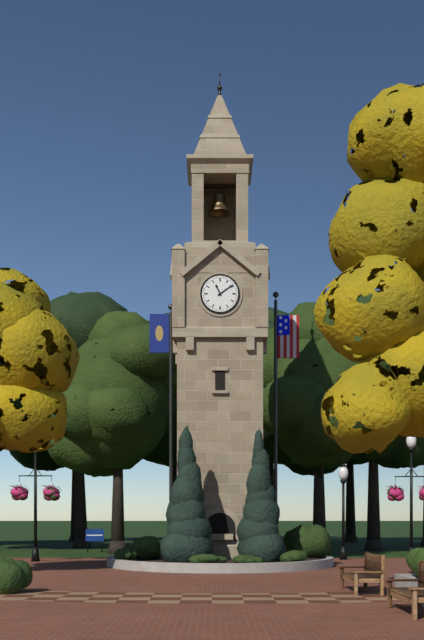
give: {"hour": 11, "minute": 9}
